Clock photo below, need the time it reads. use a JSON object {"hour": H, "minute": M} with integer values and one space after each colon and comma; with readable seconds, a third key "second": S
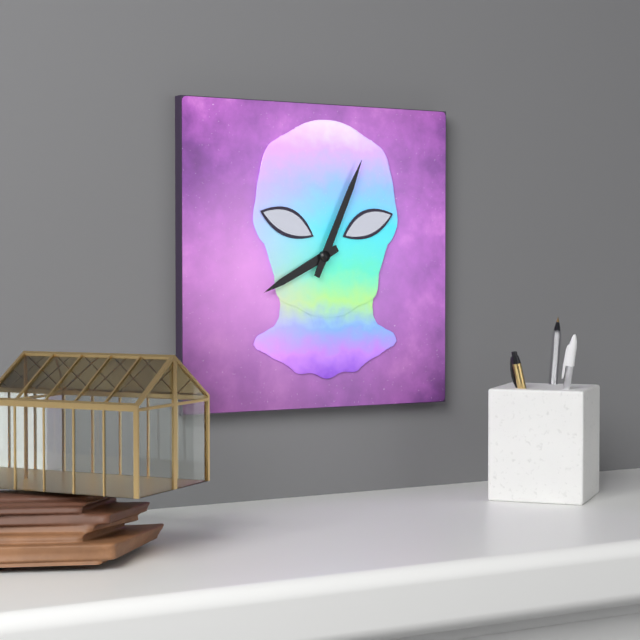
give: {"hour": 8, "minute": 4}
